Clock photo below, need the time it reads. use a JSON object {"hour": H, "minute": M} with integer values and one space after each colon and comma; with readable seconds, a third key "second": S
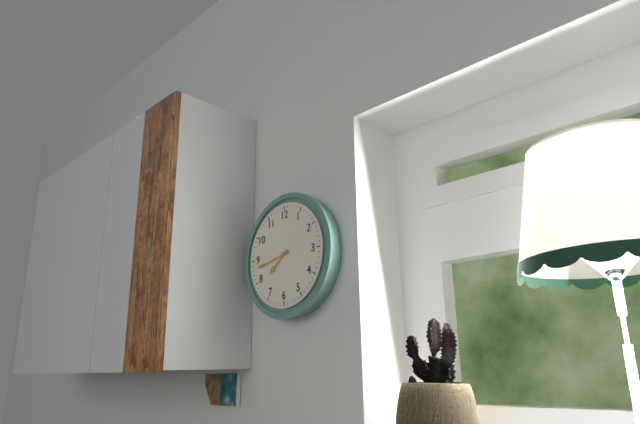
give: {"hour": 7, "minute": 43}
